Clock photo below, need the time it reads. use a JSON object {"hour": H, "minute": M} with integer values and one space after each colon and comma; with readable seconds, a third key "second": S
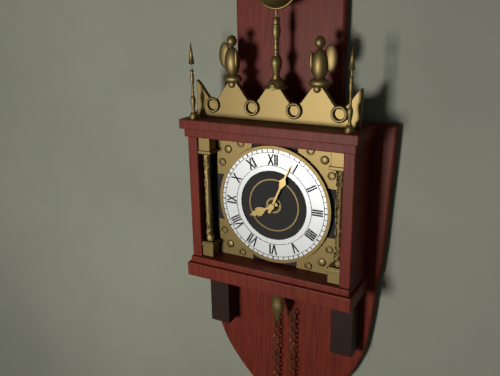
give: {"hour": 8, "minute": 4}
